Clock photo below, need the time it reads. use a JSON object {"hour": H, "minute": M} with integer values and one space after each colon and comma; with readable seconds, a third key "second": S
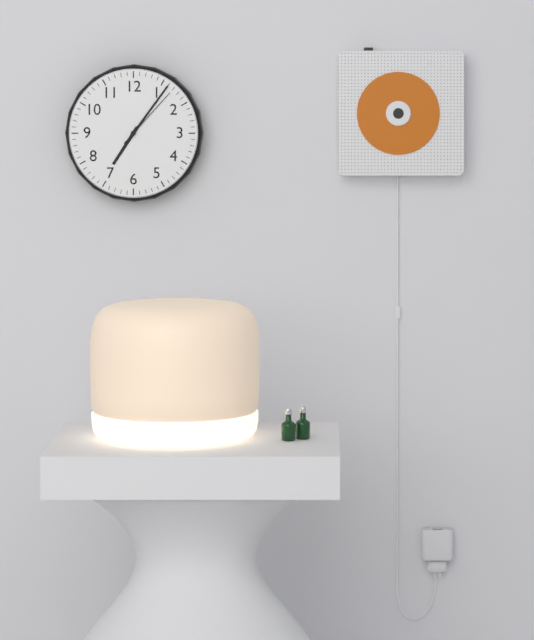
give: {"hour": 7, "minute": 6, "second": 7}
